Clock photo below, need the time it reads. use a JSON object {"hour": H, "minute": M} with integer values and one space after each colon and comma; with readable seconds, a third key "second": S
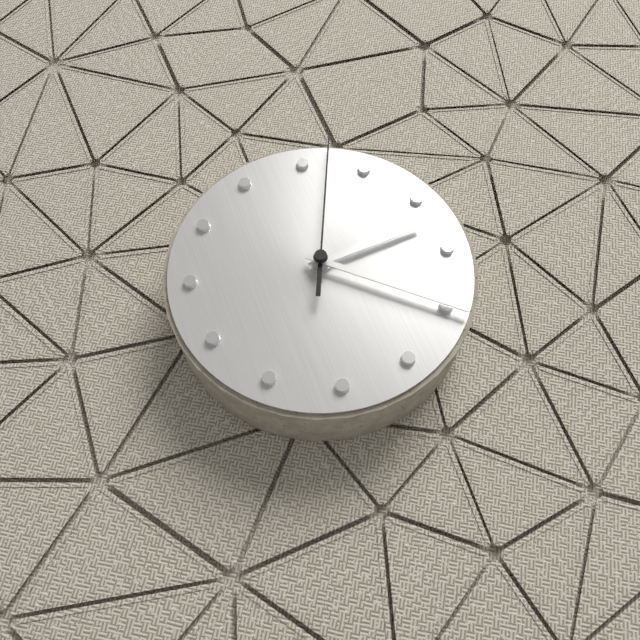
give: {"hour": 4, "minute": 30, "second": 12}
